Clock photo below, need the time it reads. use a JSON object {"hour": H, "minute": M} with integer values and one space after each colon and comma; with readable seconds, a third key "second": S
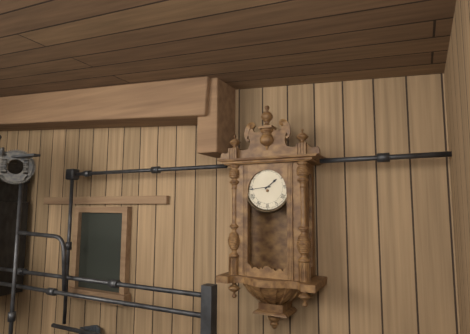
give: {"hour": 1, "minute": 44}
